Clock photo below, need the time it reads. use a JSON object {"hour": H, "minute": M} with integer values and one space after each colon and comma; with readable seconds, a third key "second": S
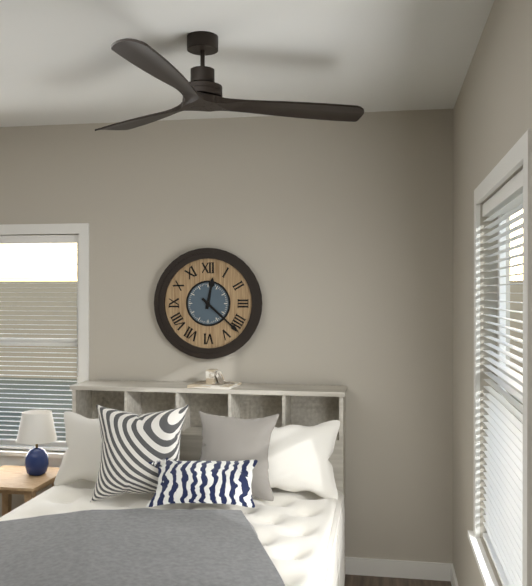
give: {"hour": 12, "minute": 22}
